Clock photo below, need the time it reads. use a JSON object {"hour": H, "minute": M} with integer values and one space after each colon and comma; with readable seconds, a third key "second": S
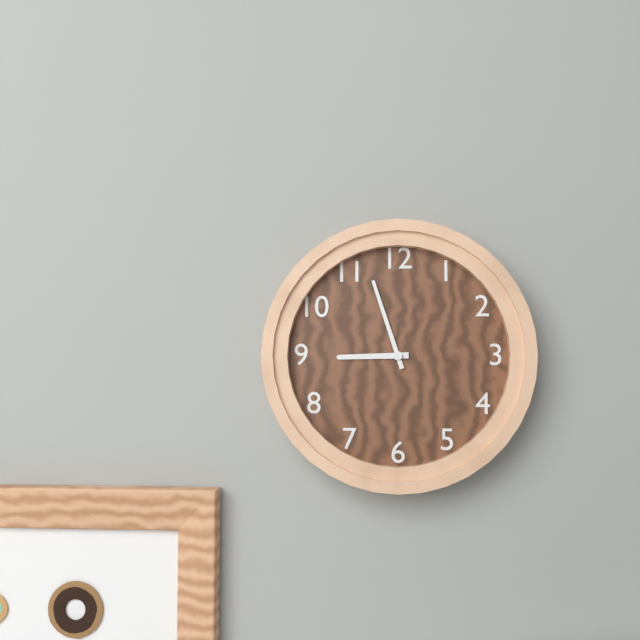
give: {"hour": 8, "minute": 57}
